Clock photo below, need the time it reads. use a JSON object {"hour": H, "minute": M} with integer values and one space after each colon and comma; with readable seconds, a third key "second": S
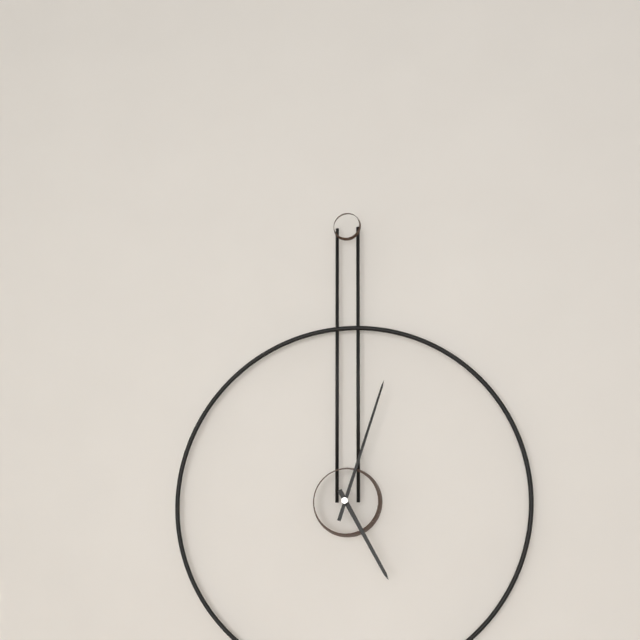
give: {"hour": 5, "minute": 3}
